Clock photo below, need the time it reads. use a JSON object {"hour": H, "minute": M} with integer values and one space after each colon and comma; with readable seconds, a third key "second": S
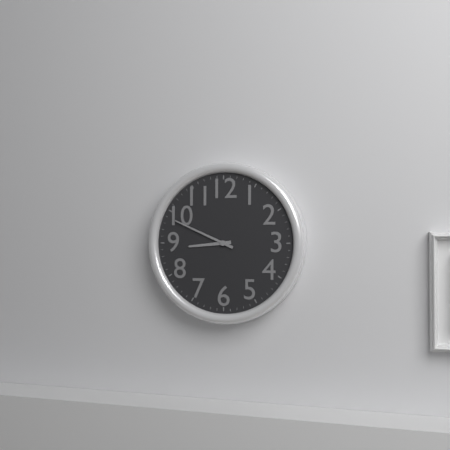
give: {"hour": 8, "minute": 49}
